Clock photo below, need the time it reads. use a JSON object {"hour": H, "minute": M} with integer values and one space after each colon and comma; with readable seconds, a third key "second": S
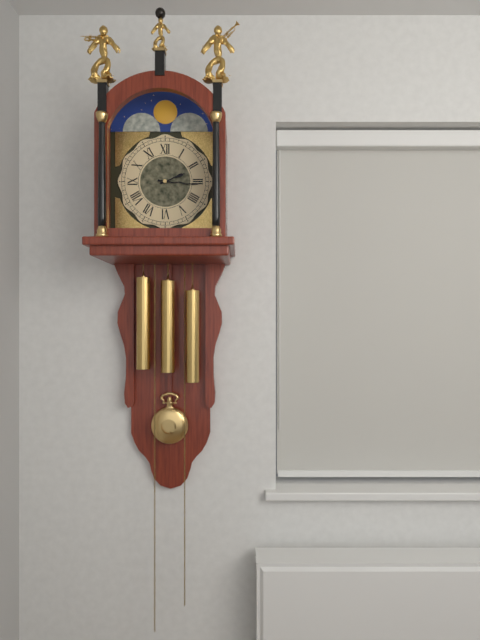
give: {"hour": 2, "minute": 16}
